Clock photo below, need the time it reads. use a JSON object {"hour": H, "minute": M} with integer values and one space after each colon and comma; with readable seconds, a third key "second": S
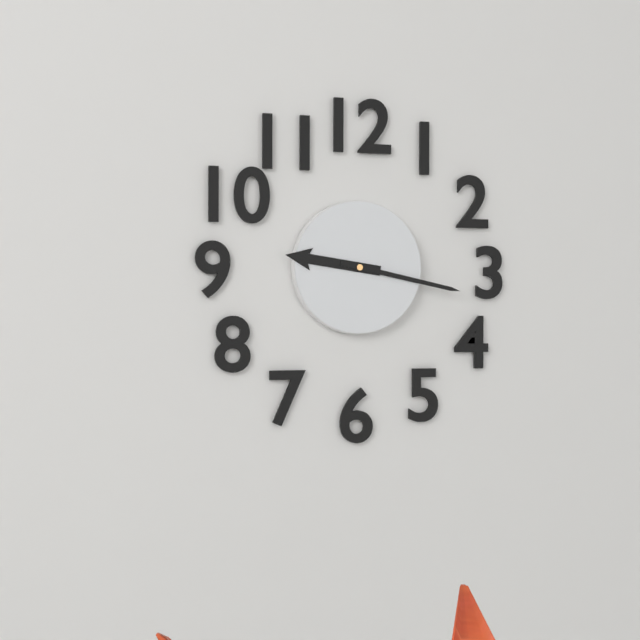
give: {"hour": 9, "minute": 17}
